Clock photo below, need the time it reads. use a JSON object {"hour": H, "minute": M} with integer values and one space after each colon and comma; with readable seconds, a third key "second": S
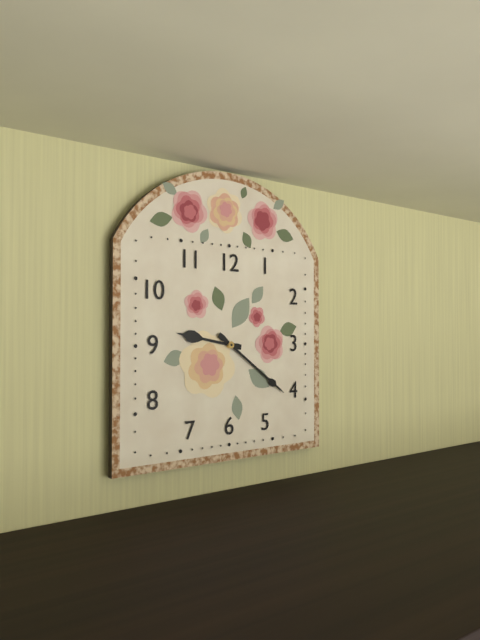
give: {"hour": 9, "minute": 21}
